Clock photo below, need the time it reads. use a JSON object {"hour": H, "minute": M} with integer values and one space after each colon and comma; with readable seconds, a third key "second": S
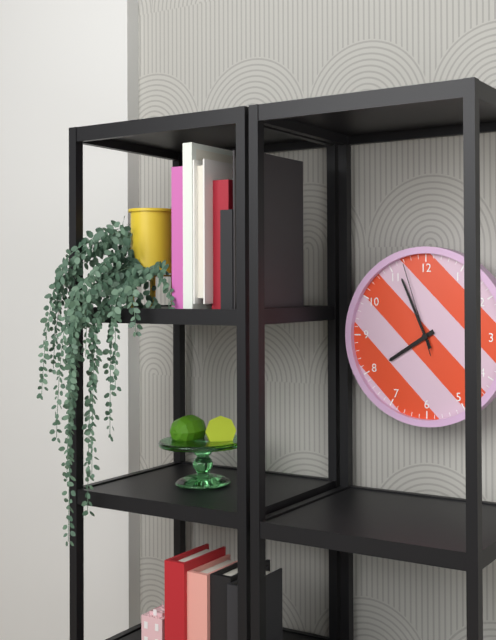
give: {"hour": 7, "minute": 56, "second": 57}
